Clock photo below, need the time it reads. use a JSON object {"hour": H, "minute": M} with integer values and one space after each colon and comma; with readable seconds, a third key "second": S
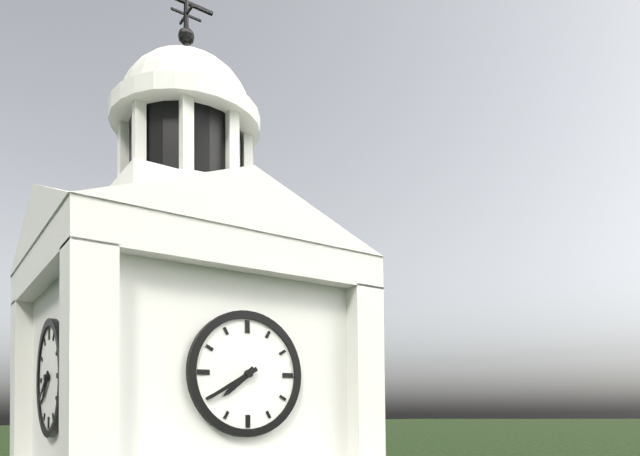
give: {"hour": 7, "minute": 40}
